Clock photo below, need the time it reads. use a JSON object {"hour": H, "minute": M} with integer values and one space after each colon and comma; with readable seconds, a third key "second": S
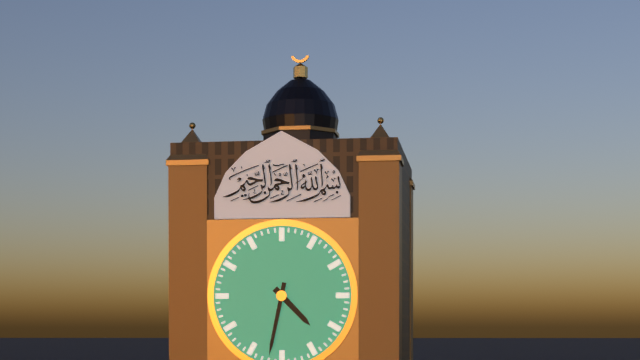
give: {"hour": 4, "minute": 32}
